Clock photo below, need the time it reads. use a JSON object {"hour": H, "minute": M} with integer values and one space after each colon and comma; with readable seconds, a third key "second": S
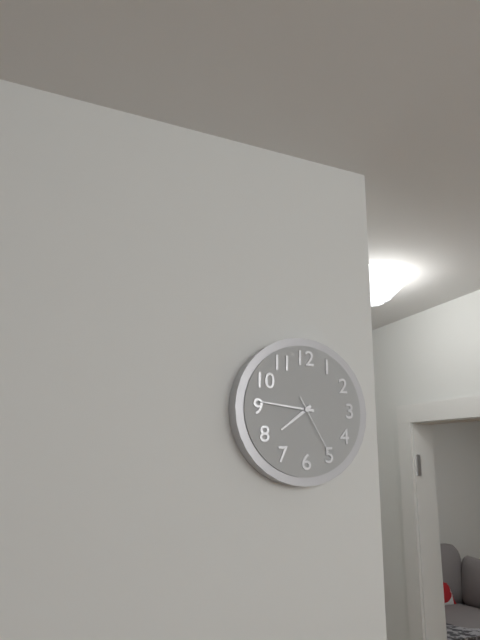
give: {"hour": 7, "minute": 46, "second": 25}
